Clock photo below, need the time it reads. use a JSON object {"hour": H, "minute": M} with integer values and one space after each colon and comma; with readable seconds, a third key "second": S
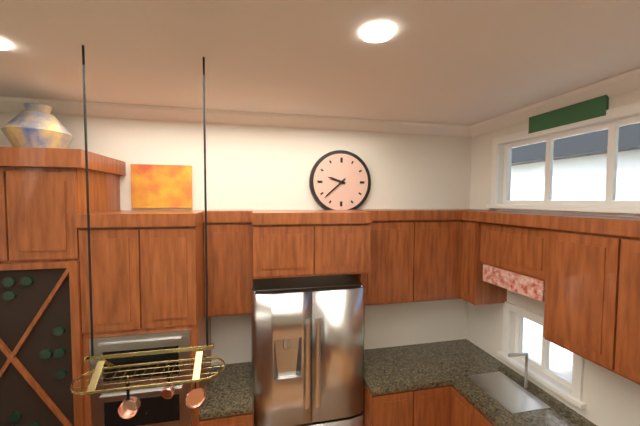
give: {"hour": 9, "minute": 38}
